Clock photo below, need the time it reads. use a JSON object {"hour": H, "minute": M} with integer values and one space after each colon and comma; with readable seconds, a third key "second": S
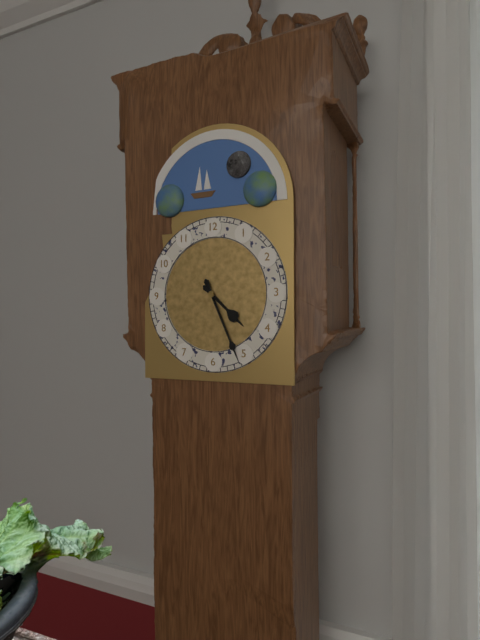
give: {"hour": 4, "minute": 26}
